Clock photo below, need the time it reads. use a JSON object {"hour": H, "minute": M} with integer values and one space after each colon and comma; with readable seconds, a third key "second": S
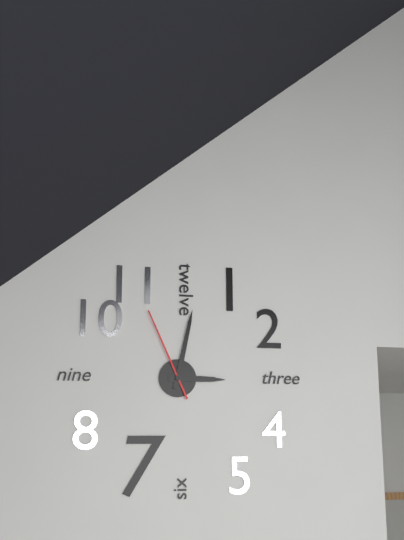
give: {"hour": 3, "minute": 2, "second": 56}
